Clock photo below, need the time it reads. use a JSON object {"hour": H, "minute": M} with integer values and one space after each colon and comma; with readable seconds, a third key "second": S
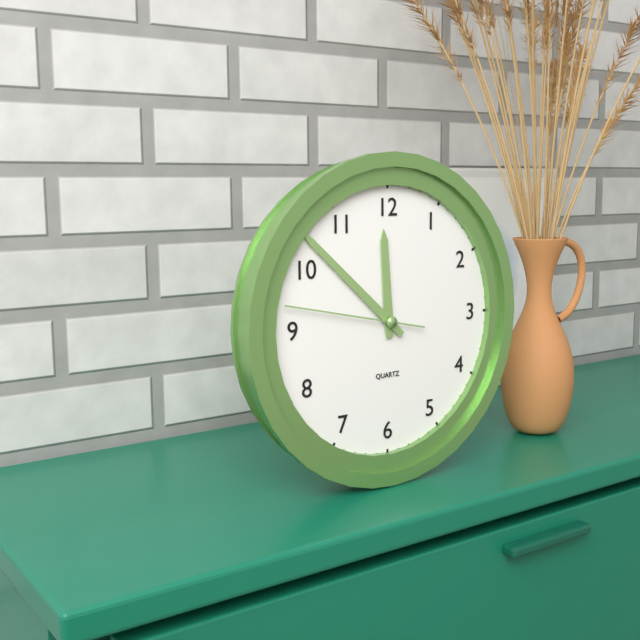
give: {"hour": 11, "minute": 52, "second": 47}
